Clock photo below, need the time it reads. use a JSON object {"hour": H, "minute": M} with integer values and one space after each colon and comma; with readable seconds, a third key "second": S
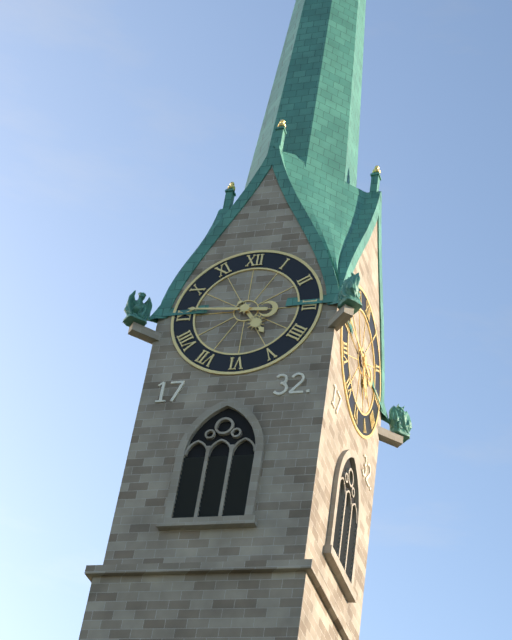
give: {"hour": 4, "minute": 46}
